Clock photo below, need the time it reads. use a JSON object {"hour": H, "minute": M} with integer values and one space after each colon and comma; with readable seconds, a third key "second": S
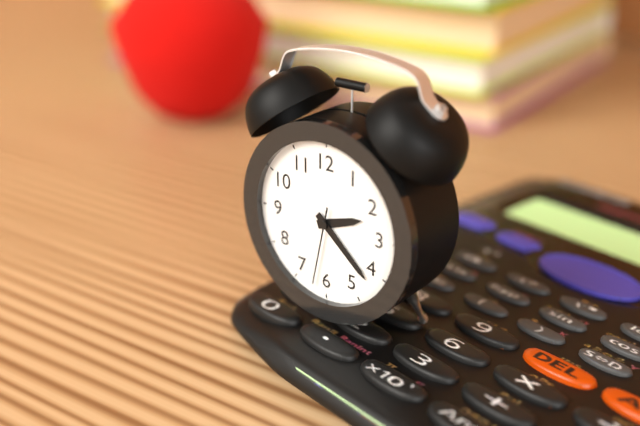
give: {"hour": 2, "minute": 22, "second": 32}
